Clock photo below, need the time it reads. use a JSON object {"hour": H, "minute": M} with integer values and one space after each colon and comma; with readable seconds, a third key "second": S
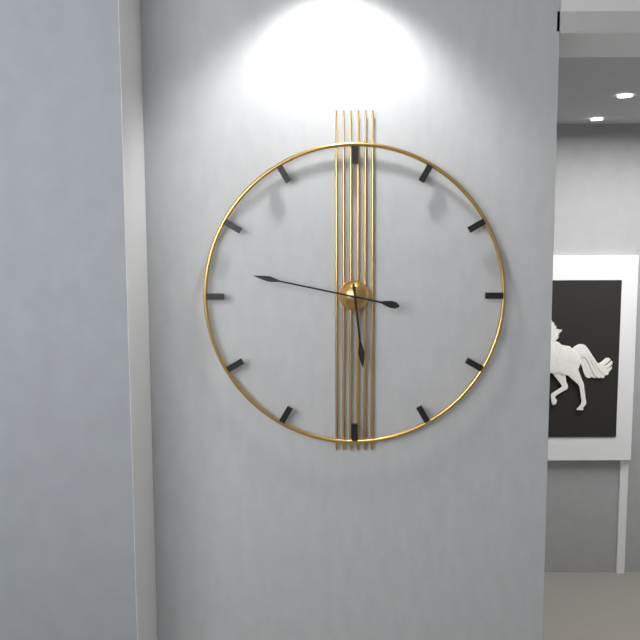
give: {"hour": 5, "minute": 47}
